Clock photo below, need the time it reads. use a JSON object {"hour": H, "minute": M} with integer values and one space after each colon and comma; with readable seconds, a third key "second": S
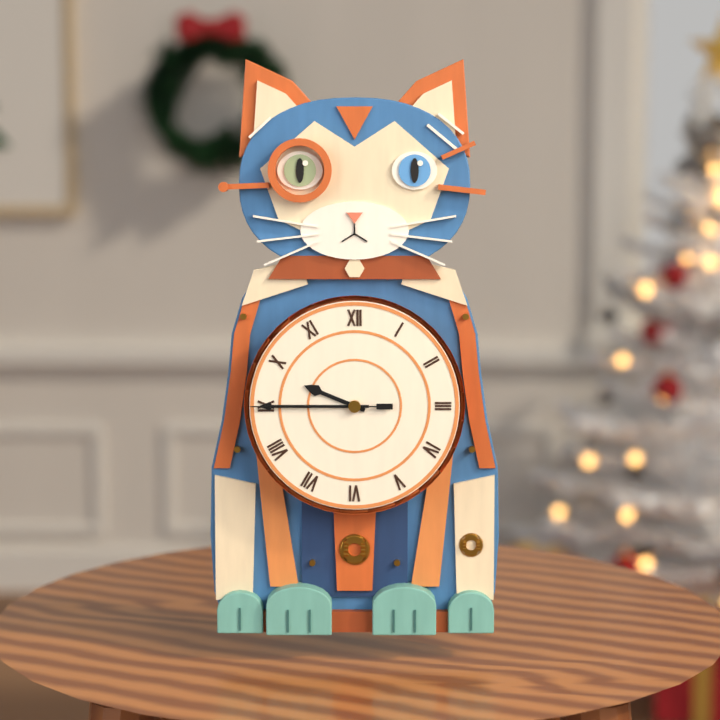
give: {"hour": 9, "minute": 45, "second": 45}
